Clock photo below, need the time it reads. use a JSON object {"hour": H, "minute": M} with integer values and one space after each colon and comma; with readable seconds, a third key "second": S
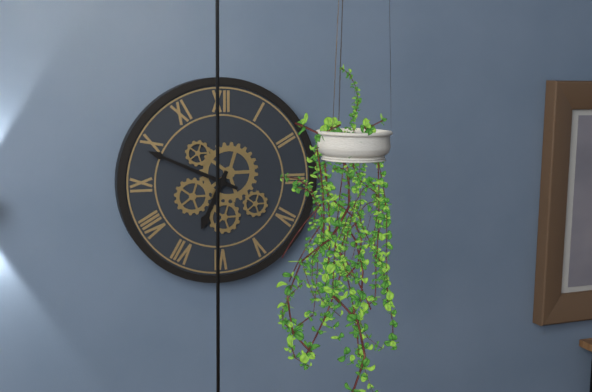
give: {"hour": 6, "minute": 49}
